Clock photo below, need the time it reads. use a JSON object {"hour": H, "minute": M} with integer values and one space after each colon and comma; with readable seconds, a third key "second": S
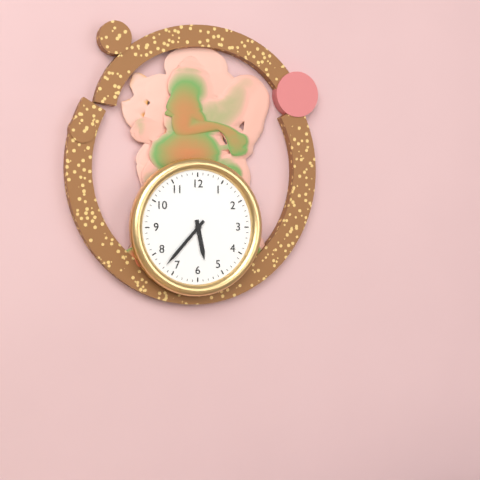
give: {"hour": 5, "minute": 37}
